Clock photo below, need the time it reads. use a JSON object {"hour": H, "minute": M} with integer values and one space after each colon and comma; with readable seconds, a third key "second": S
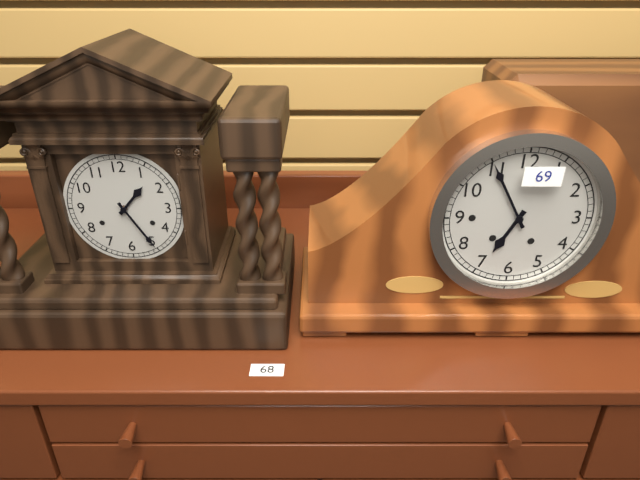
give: {"hour": 1, "minute": 25}
